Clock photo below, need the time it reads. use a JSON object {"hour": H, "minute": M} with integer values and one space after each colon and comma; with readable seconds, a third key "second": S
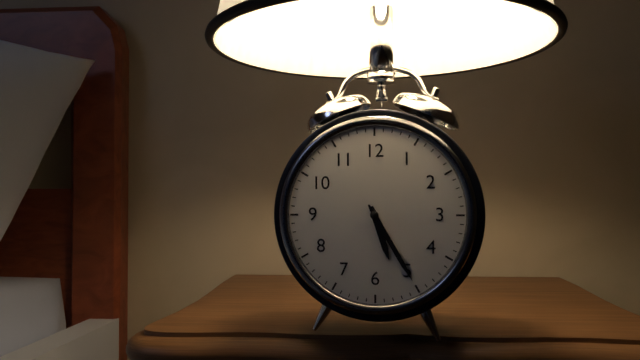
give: {"hour": 5, "minute": 25}
